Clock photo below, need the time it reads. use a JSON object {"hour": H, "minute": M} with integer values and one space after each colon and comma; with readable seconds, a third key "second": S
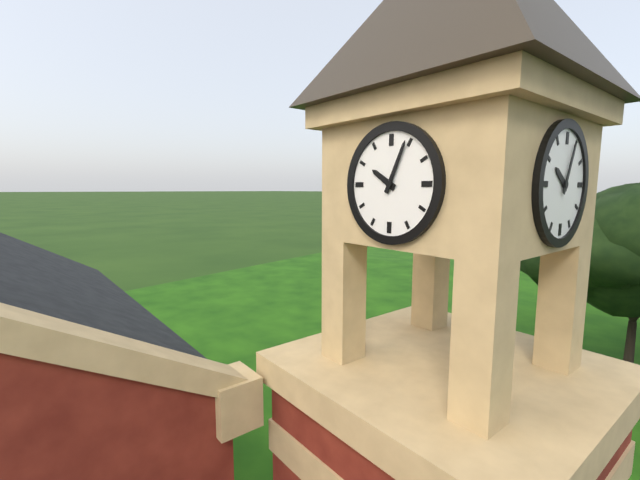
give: {"hour": 10, "minute": 4}
